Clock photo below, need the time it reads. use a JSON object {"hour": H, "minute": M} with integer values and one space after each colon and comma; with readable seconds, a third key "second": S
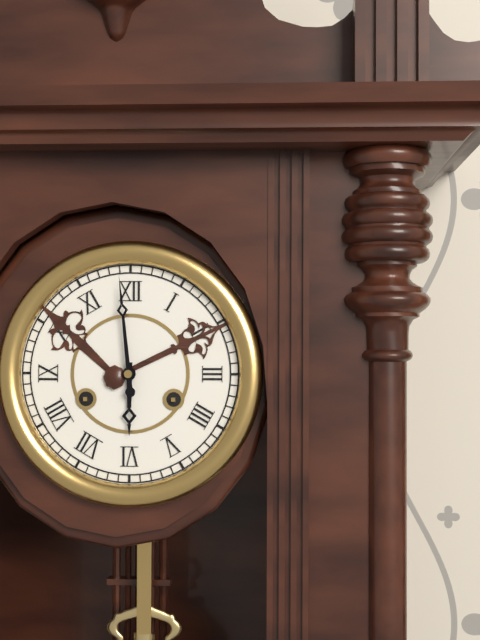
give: {"hour": 5, "minute": 59}
